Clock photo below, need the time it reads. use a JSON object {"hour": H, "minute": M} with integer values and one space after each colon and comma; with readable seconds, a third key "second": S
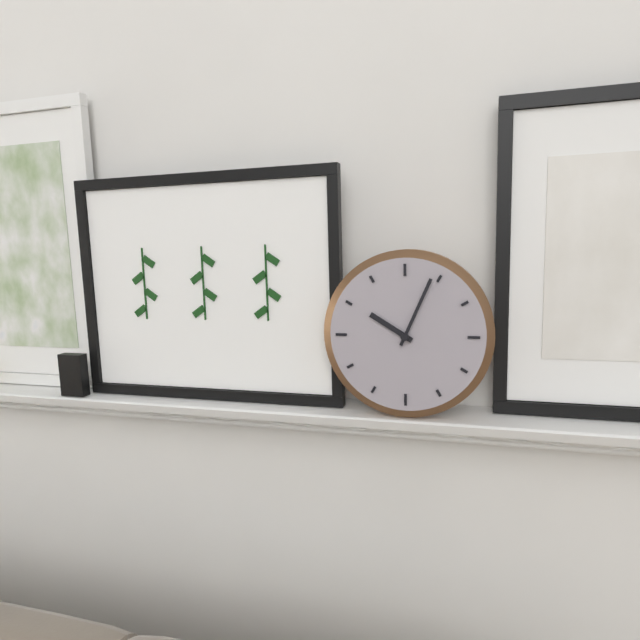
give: {"hour": 10, "minute": 4}
